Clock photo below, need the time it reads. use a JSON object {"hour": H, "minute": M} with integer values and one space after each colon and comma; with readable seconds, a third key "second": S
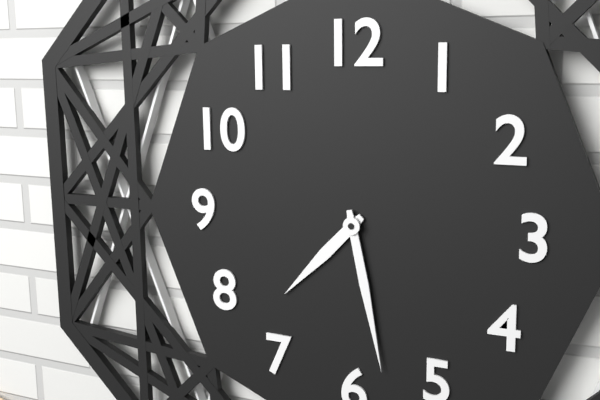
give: {"hour": 7, "minute": 28}
